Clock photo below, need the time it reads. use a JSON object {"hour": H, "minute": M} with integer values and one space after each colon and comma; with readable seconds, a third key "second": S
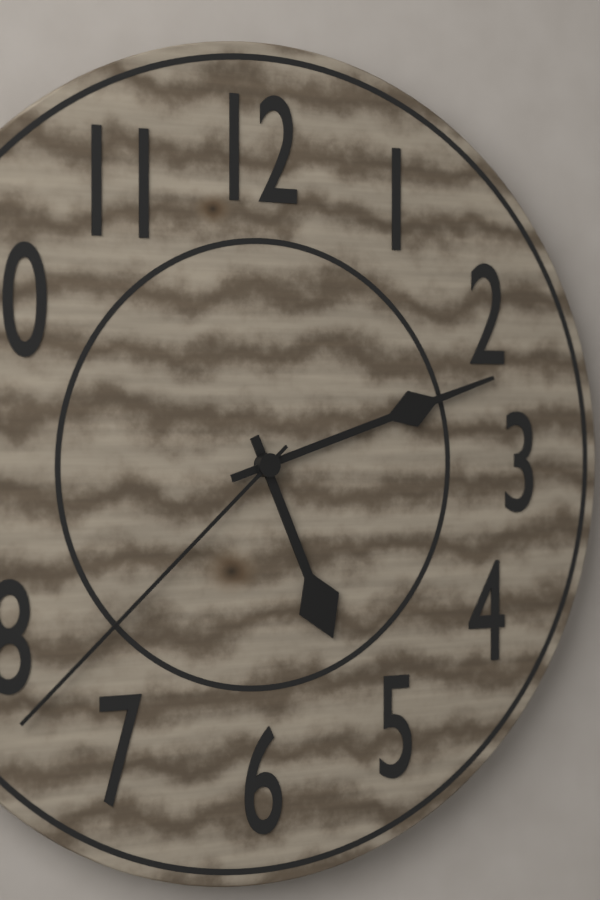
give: {"hour": 5, "minute": 12, "second": 38}
